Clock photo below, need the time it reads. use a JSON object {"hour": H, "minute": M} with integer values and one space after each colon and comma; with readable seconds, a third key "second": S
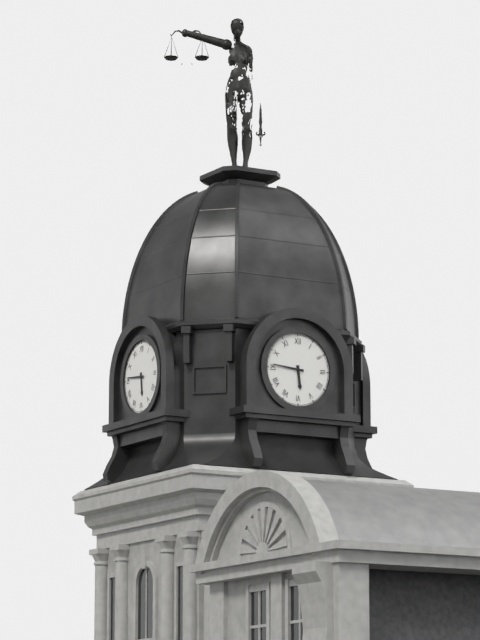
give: {"hour": 5, "minute": 46}
